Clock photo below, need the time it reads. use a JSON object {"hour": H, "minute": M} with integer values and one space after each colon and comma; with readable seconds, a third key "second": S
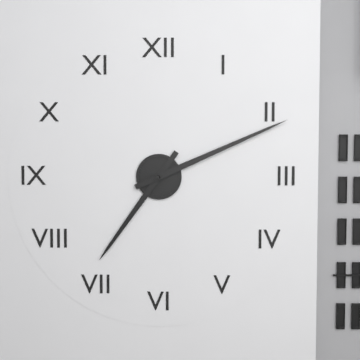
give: {"hour": 7, "minute": 11}
